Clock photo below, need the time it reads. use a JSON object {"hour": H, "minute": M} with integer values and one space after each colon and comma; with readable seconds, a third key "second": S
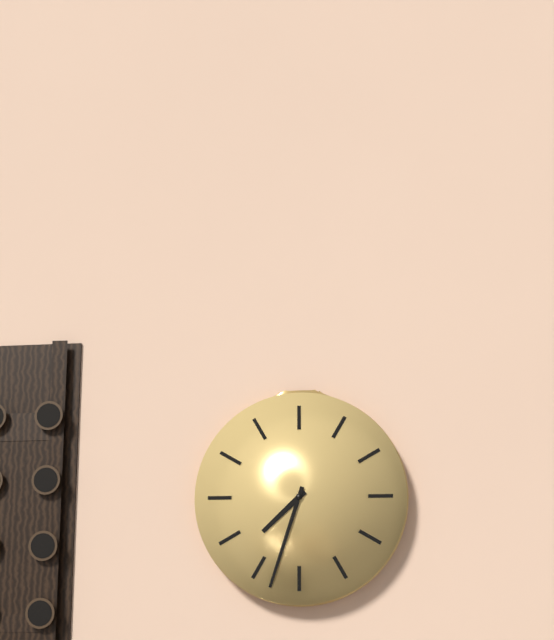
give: {"hour": 7, "minute": 33}
